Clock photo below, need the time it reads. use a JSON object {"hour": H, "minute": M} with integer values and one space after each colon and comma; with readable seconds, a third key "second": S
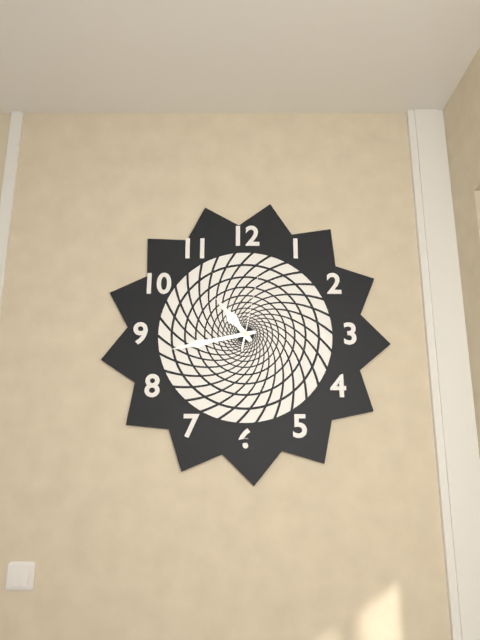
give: {"hour": 10, "minute": 43, "second": 2}
